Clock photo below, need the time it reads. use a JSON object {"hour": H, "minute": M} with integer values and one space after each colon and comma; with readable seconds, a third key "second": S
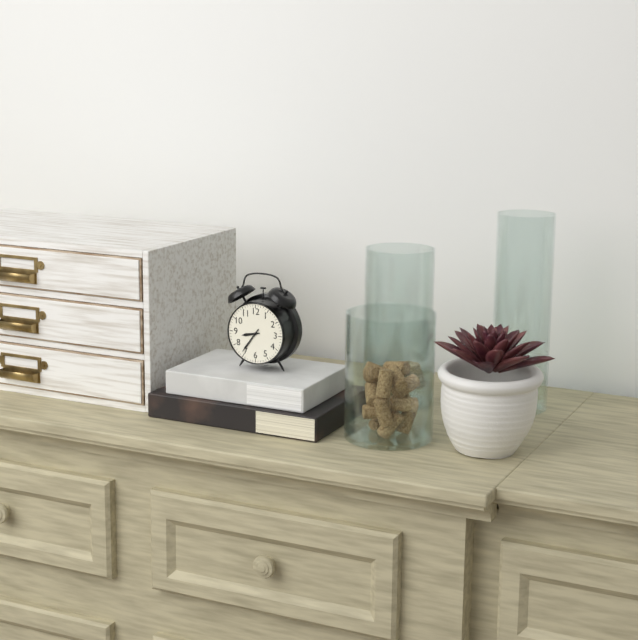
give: {"hour": 8, "minute": 36}
